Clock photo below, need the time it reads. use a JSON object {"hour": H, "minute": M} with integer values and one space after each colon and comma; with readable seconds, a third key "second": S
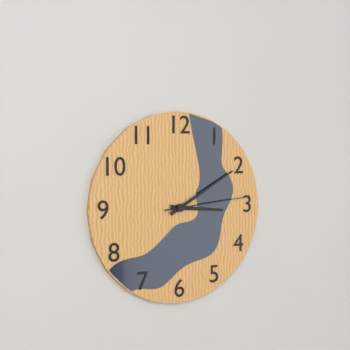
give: {"hour": 3, "minute": 10, "second": 14}
